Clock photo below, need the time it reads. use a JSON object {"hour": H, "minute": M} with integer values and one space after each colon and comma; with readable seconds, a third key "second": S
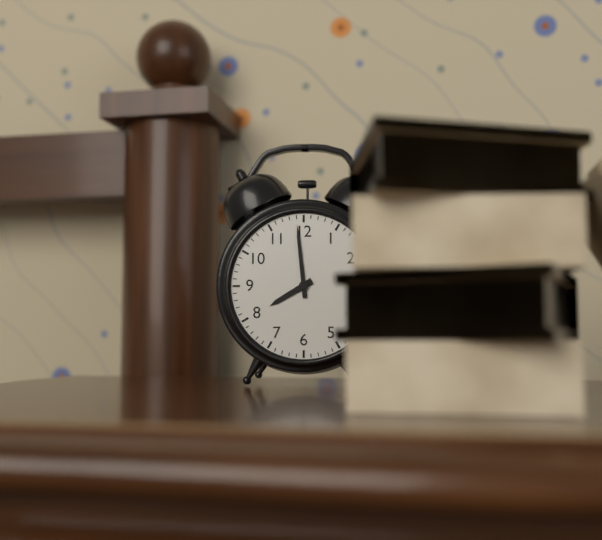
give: {"hour": 7, "minute": 59}
